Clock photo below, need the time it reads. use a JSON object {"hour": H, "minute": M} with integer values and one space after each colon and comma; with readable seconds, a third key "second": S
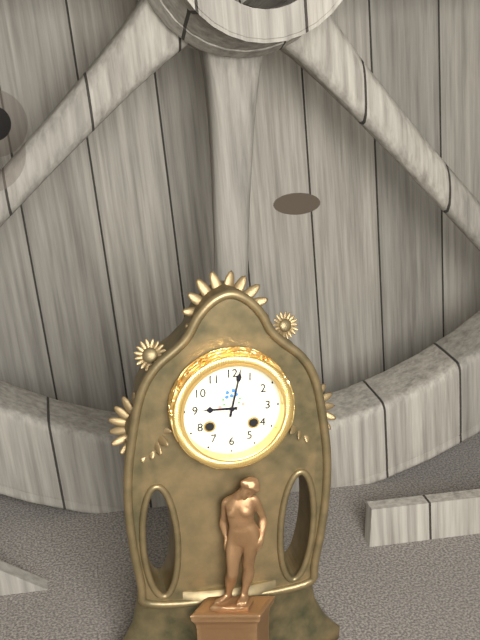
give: {"hour": 9, "minute": 2}
